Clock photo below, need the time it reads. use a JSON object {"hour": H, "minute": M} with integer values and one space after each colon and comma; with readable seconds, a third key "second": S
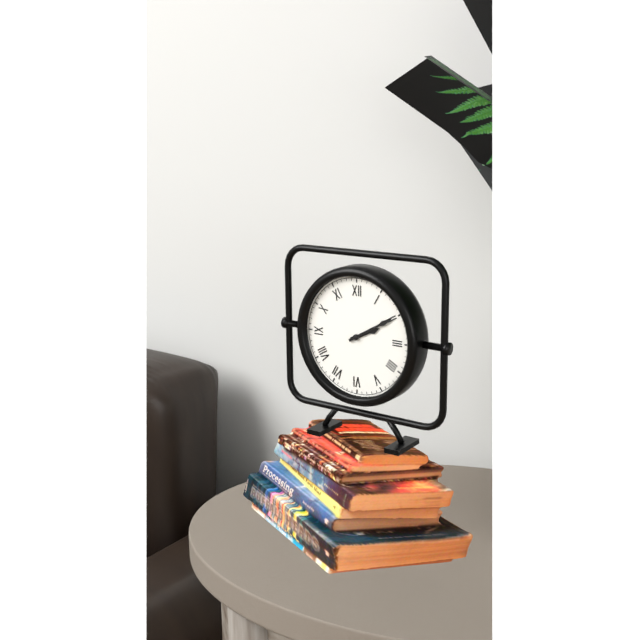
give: {"hour": 2, "minute": 10}
